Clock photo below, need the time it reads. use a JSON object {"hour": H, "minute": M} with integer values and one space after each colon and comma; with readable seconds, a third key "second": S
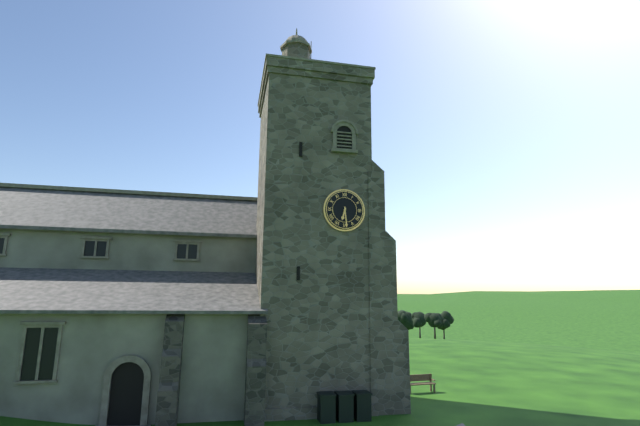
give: {"hour": 6, "minute": 29}
